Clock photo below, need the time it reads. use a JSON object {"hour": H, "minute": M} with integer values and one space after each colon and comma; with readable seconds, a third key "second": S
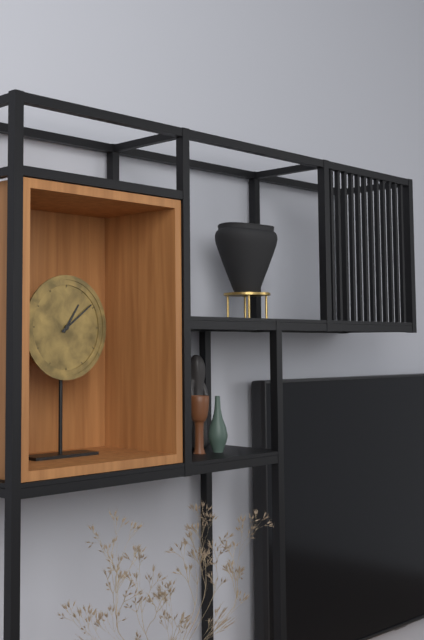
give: {"hour": 1, "minute": 9}
